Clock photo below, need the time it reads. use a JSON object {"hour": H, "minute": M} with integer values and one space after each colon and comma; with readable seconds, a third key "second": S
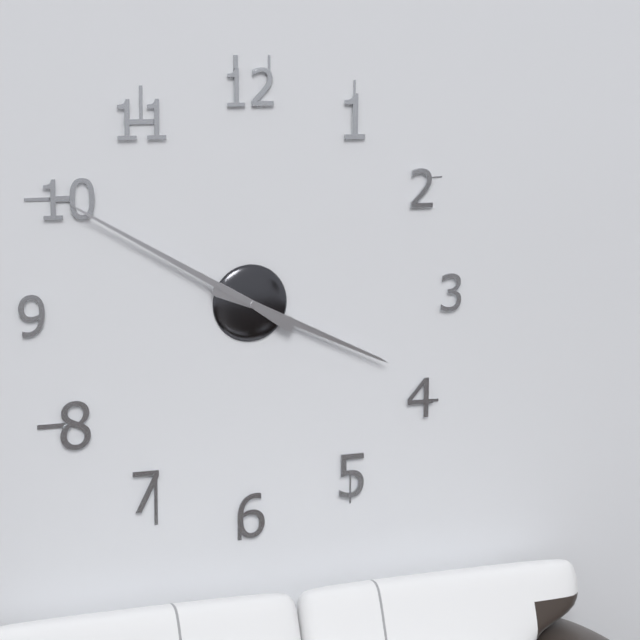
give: {"hour": 3, "minute": 50}
